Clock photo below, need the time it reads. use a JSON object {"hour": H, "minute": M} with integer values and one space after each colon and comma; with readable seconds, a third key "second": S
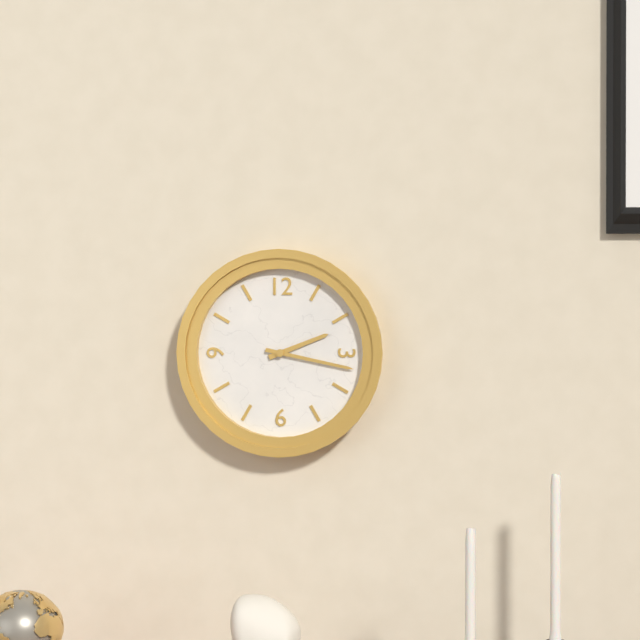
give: {"hour": 2, "minute": 17}
